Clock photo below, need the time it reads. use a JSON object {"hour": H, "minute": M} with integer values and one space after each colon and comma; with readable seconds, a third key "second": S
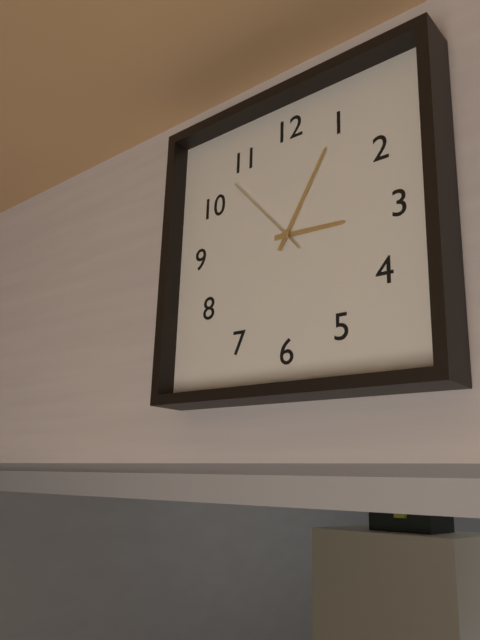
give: {"hour": 3, "minute": 5, "second": 53}
